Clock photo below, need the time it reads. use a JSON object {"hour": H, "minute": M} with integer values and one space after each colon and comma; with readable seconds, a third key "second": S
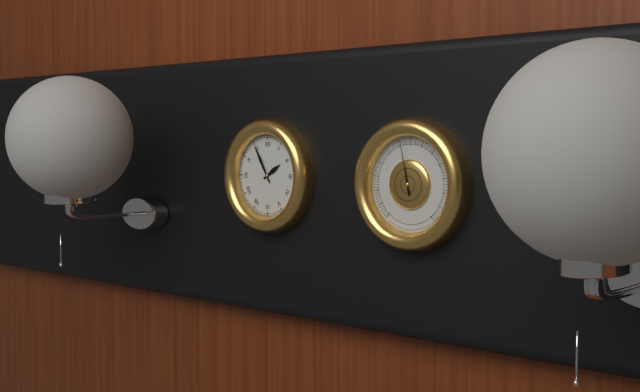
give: {"hour": 1, "minute": 55}
